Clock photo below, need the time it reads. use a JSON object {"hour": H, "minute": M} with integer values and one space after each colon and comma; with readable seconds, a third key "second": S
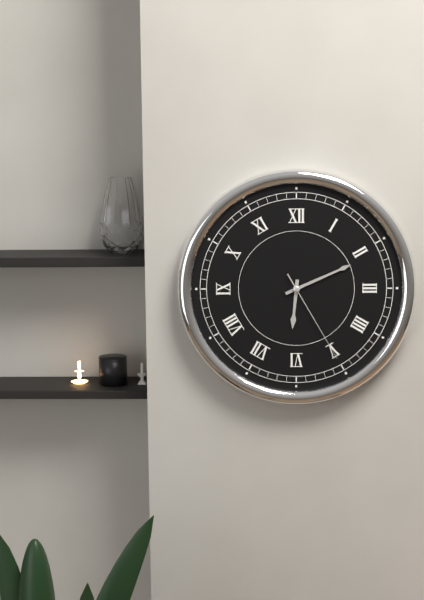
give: {"hour": 6, "minute": 11, "second": 25}
